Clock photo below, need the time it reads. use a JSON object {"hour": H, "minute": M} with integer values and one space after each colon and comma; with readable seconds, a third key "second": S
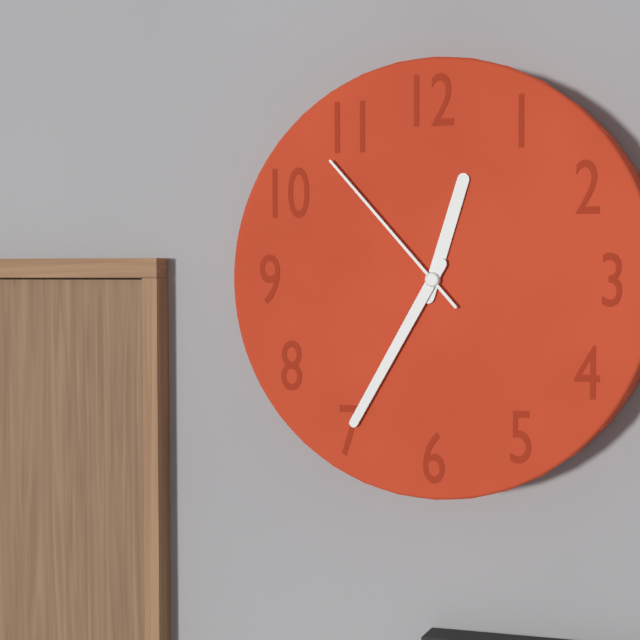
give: {"hour": 12, "minute": 35, "second": 53}
